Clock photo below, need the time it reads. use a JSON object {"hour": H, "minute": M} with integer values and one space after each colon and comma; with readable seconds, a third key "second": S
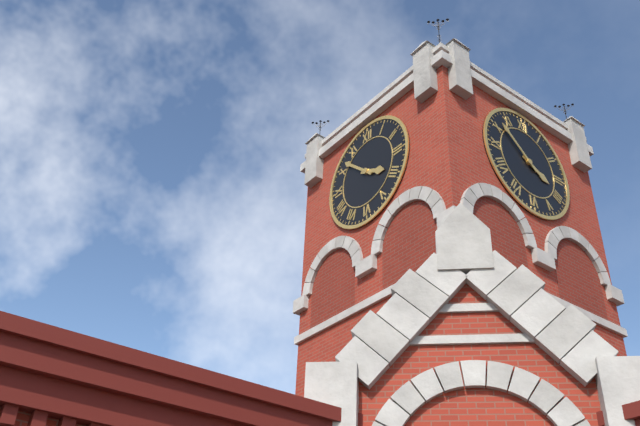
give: {"hour": 3, "minute": 52}
